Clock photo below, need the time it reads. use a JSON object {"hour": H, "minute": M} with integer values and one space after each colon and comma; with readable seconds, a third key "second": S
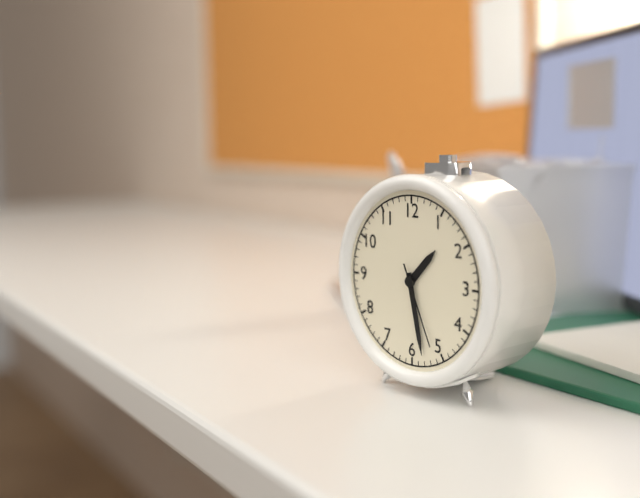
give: {"hour": 1, "minute": 28, "second": 26}
